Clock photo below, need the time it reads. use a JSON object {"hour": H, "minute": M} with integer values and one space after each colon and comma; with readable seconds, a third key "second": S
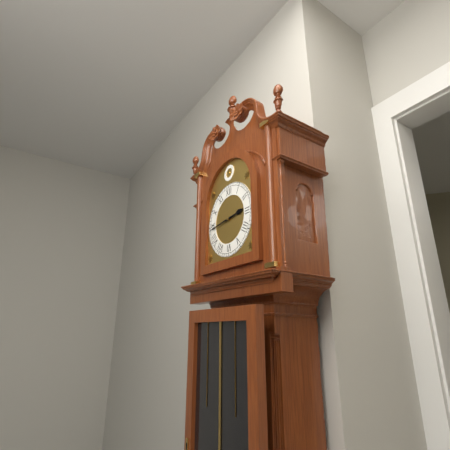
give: {"hour": 2, "minute": 44}
